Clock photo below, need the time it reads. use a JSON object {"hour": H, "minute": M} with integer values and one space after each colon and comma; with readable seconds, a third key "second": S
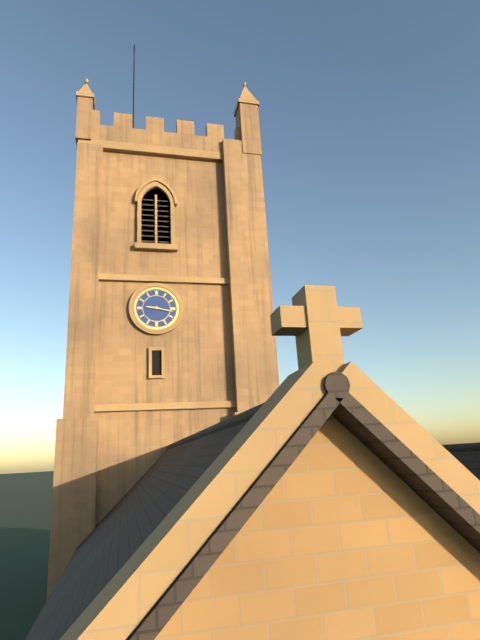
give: {"hour": 9, "minute": 17}
